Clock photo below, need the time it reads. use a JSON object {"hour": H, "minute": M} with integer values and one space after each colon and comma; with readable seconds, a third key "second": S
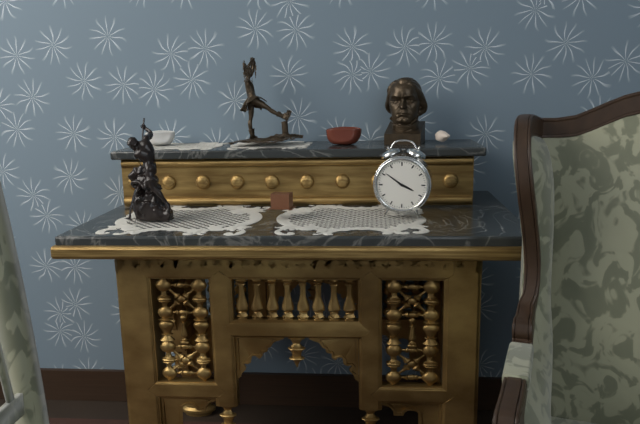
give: {"hour": 3, "minute": 51}
